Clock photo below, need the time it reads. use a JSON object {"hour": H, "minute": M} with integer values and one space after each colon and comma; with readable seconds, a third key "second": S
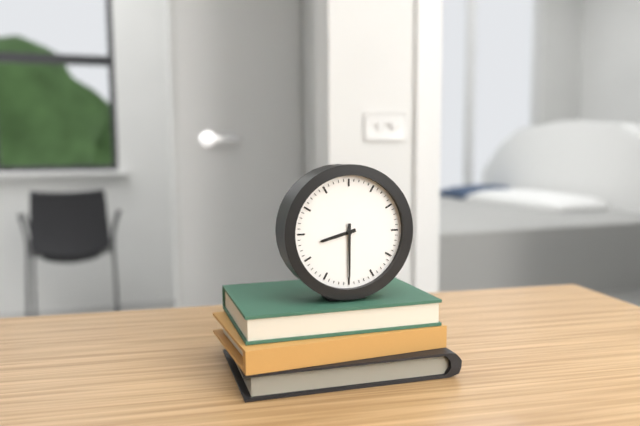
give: {"hour": 8, "minute": 30}
